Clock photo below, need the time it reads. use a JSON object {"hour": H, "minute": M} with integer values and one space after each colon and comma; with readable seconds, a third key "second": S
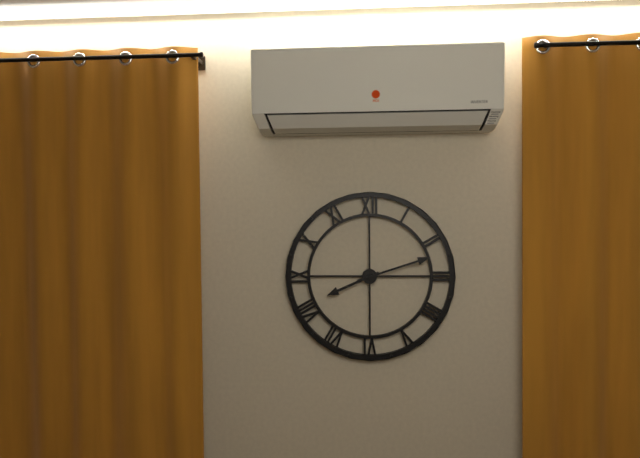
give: {"hour": 8, "minute": 12}
